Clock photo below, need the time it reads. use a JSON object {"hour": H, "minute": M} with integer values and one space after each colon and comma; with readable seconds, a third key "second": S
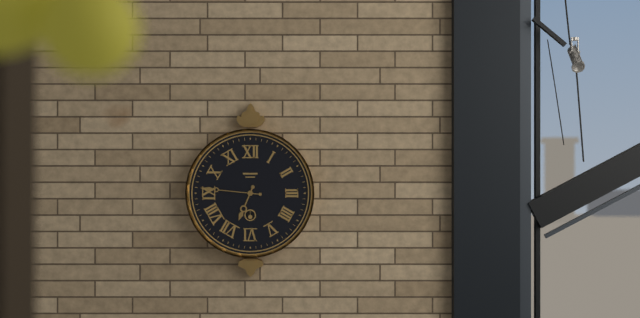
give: {"hour": 6, "minute": 46}
